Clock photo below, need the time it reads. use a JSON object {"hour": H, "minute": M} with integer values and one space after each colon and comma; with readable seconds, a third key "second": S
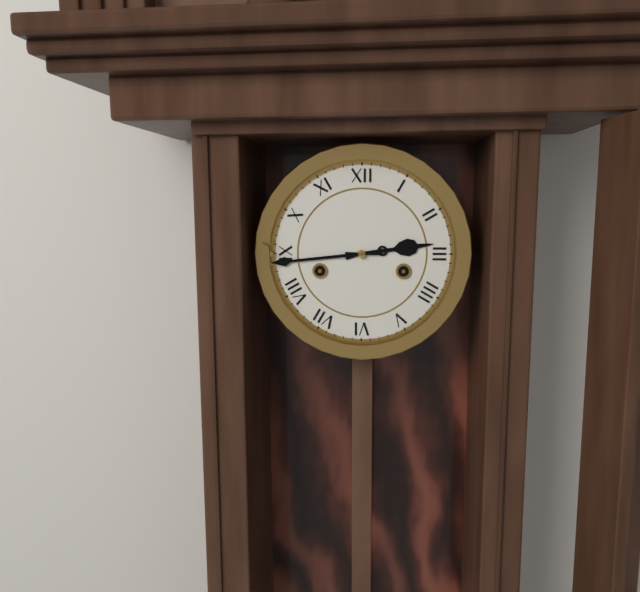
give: {"hour": 2, "minute": 44}
